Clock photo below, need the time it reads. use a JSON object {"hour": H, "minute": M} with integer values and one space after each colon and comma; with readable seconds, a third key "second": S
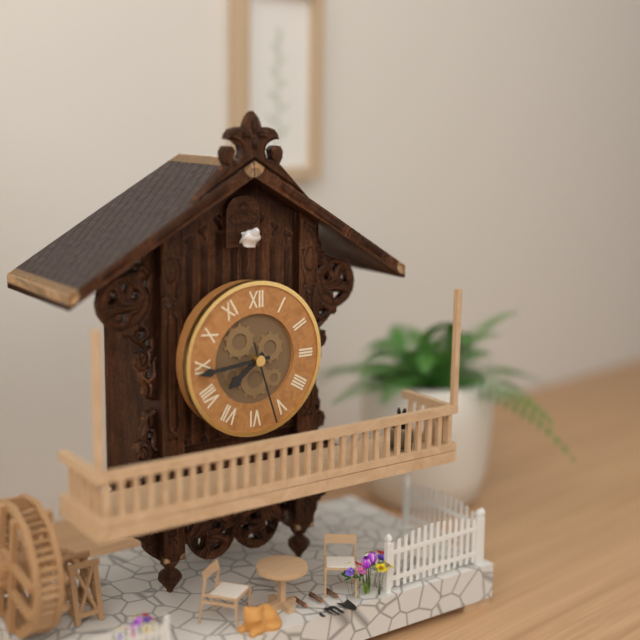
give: {"hour": 7, "minute": 44, "second": 27}
